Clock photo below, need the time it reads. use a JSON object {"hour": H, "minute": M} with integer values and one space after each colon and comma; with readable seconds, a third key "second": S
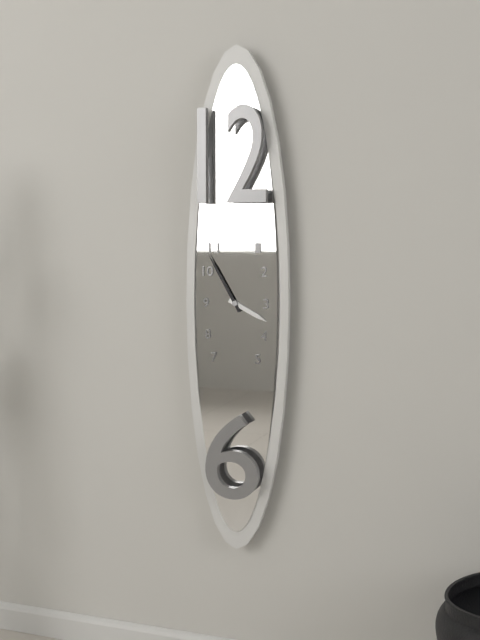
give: {"hour": 3, "minute": 55}
